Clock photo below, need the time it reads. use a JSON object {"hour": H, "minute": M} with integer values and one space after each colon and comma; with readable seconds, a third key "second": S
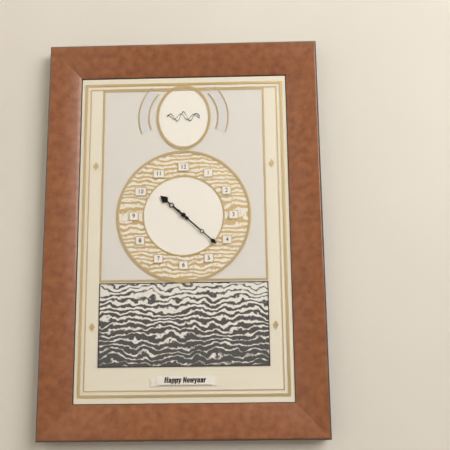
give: {"hour": 10, "minute": 22}
